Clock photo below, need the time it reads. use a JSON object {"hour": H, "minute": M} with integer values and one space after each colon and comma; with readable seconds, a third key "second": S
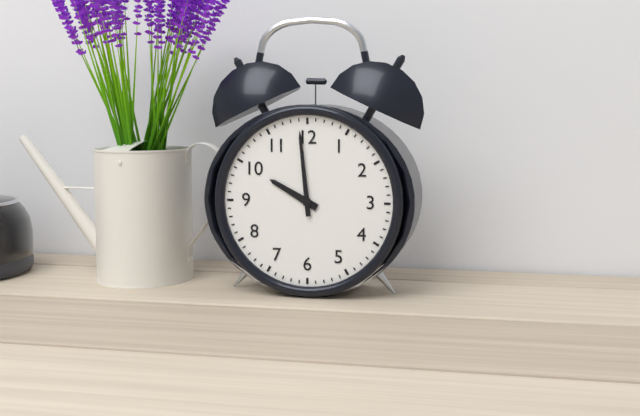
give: {"hour": 9, "minute": 59}
